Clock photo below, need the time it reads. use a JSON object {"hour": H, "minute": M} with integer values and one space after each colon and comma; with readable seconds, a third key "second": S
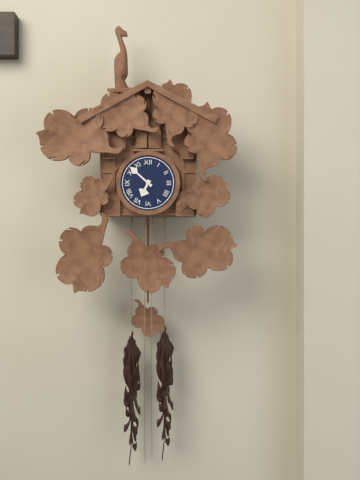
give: {"hour": 6, "minute": 52}
